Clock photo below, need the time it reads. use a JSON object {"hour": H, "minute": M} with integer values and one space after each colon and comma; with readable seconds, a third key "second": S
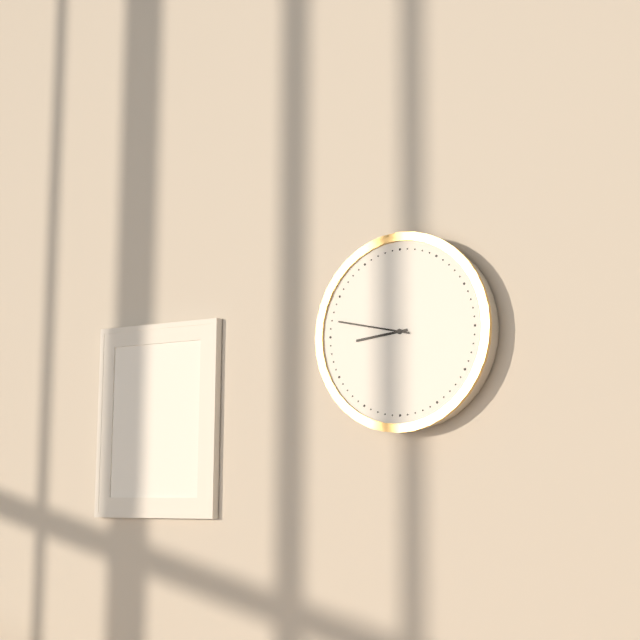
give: {"hour": 8, "minute": 47}
